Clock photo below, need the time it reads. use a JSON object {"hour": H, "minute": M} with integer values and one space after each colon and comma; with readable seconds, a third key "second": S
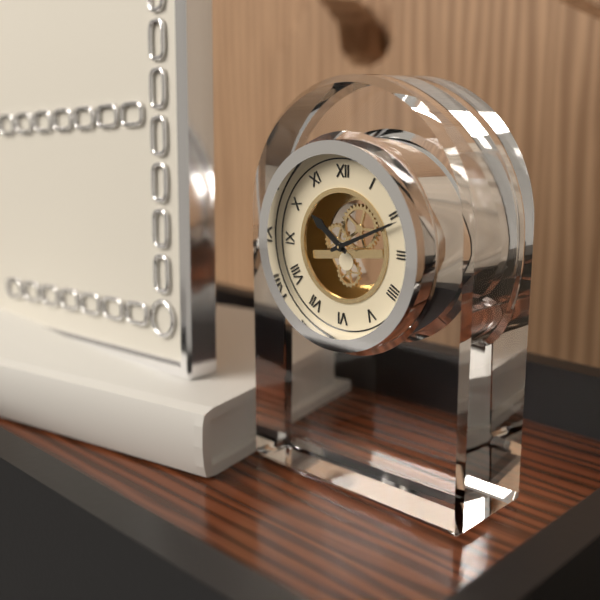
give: {"hour": 10, "minute": 11}
